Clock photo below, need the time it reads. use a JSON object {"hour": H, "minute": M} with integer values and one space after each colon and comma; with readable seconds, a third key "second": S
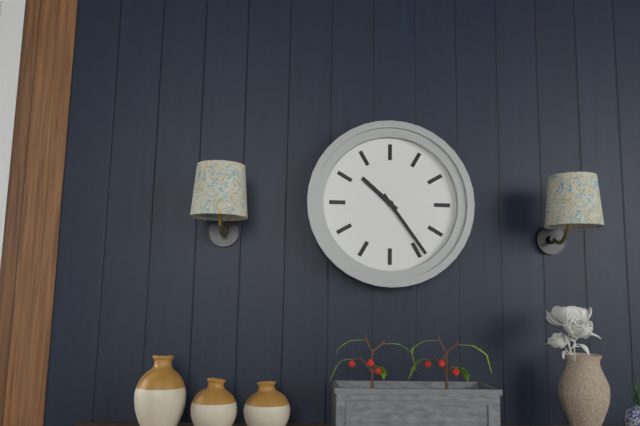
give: {"hour": 10, "minute": 24}
